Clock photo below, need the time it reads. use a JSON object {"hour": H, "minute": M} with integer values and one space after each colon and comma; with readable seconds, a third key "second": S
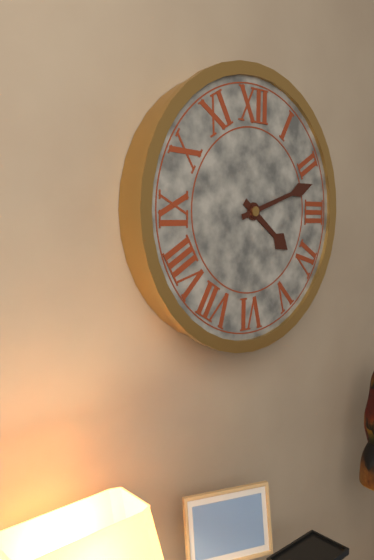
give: {"hour": 4, "minute": 12}
